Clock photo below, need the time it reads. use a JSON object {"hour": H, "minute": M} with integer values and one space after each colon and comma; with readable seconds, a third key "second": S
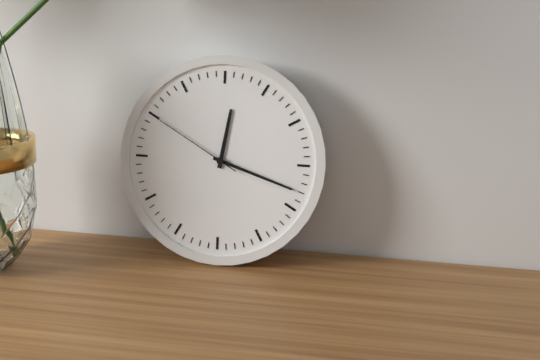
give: {"hour": 12, "minute": 18, "second": 50}
